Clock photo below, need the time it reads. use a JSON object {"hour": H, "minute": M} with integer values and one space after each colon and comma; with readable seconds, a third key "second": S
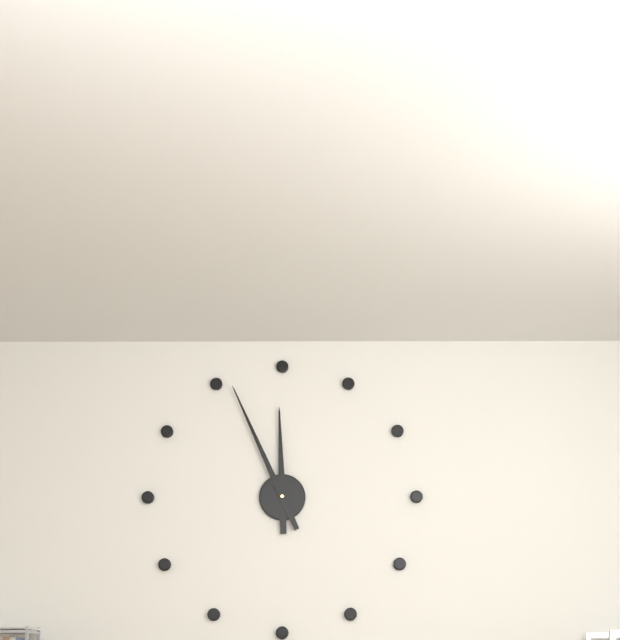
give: {"hour": 11, "minute": 56}
